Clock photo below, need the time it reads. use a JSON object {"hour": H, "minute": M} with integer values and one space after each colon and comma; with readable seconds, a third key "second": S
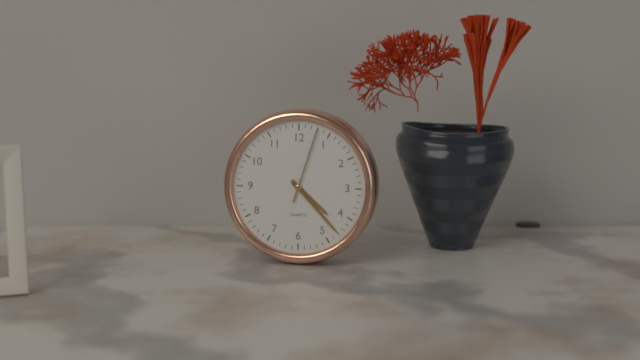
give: {"hour": 4, "minute": 23, "second": 3}
